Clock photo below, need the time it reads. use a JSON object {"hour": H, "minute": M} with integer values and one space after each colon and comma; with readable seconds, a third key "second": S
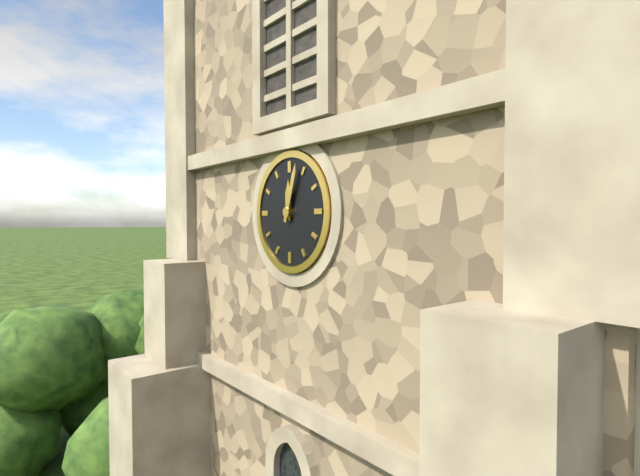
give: {"hour": 12, "minute": 3}
